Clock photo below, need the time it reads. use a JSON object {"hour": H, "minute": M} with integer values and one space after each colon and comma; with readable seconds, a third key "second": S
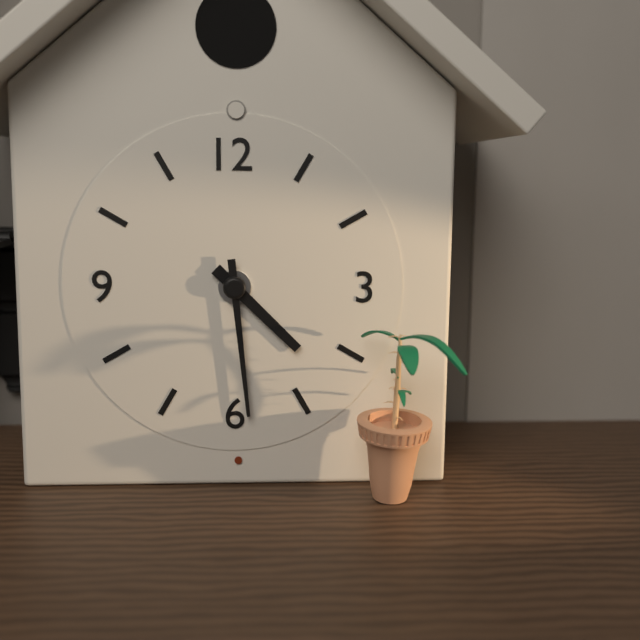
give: {"hour": 4, "minute": 29}
